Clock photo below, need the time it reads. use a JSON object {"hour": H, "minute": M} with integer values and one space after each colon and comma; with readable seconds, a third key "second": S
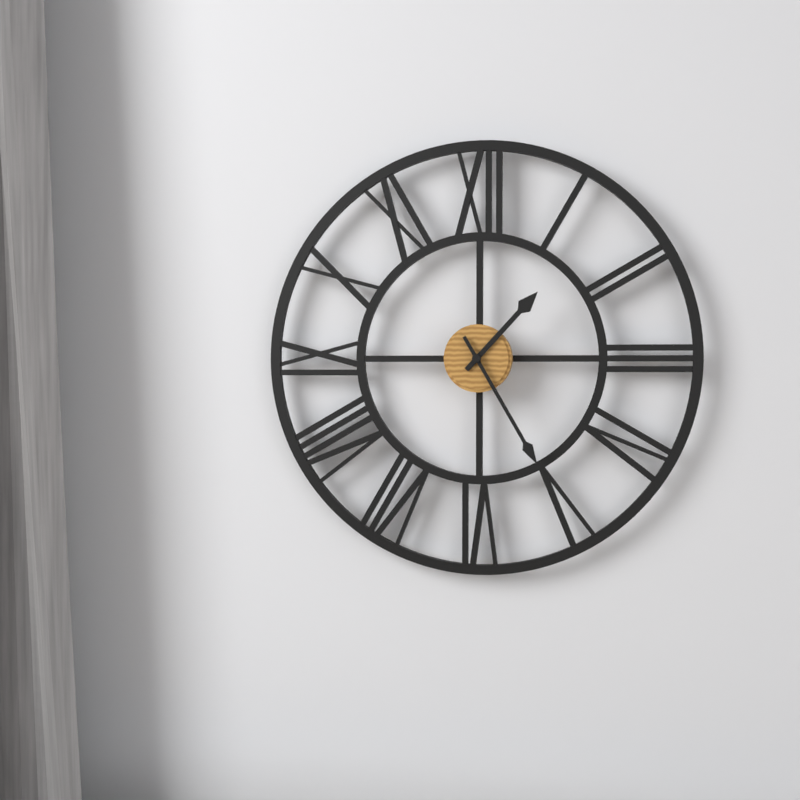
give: {"hour": 1, "minute": 25}
